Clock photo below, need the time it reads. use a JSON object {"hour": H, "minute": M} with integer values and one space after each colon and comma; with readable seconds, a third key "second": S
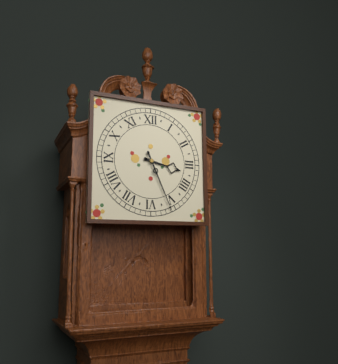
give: {"hour": 3, "minute": 26}
